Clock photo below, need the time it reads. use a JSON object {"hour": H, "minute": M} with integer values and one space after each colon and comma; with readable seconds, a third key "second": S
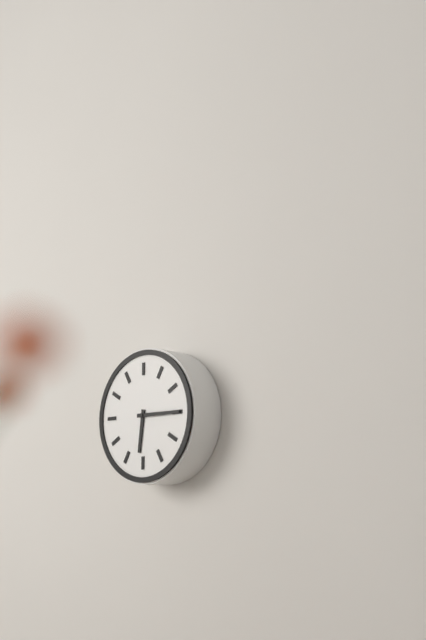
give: {"hour": 6, "minute": 15}
